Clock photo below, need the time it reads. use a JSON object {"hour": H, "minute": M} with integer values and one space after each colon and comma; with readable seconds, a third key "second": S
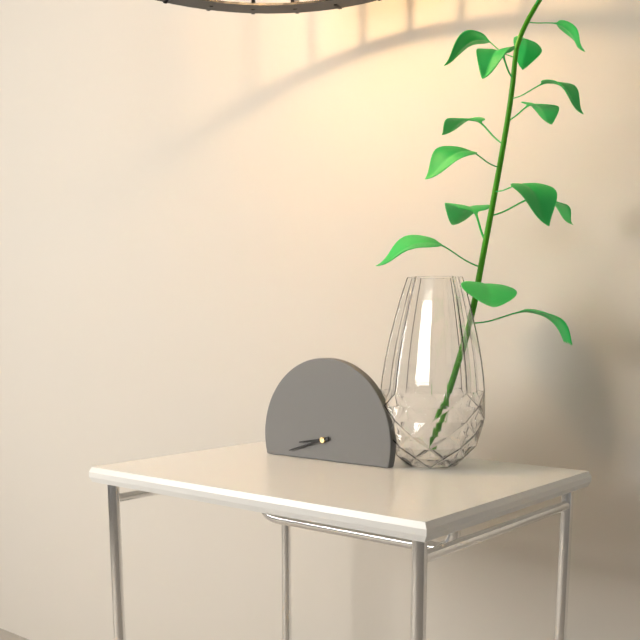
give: {"hour": 8, "minute": 42}
